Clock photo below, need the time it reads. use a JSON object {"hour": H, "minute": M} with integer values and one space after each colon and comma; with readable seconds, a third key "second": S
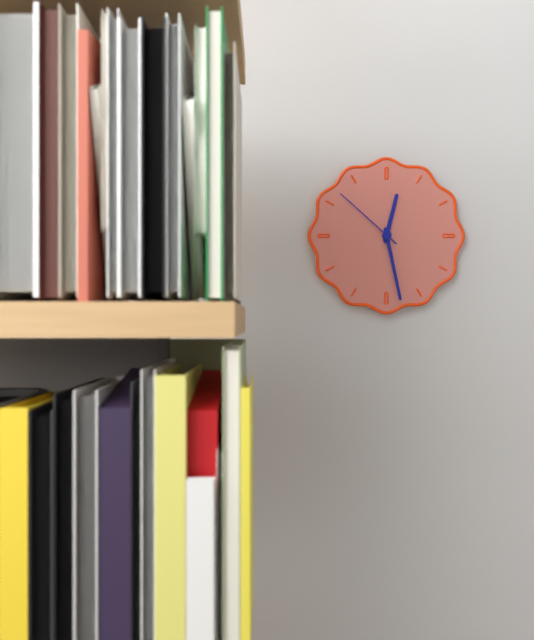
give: {"hour": 12, "minute": 28, "second": 52}
